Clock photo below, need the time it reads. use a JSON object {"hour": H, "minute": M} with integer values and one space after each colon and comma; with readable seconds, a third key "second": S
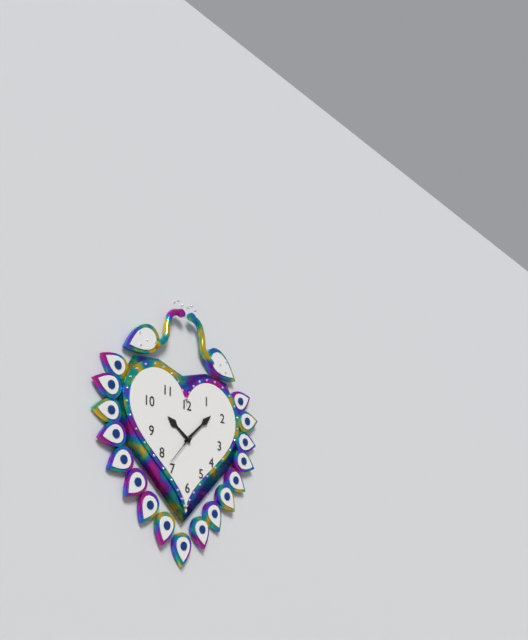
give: {"hour": 10, "minute": 8}
